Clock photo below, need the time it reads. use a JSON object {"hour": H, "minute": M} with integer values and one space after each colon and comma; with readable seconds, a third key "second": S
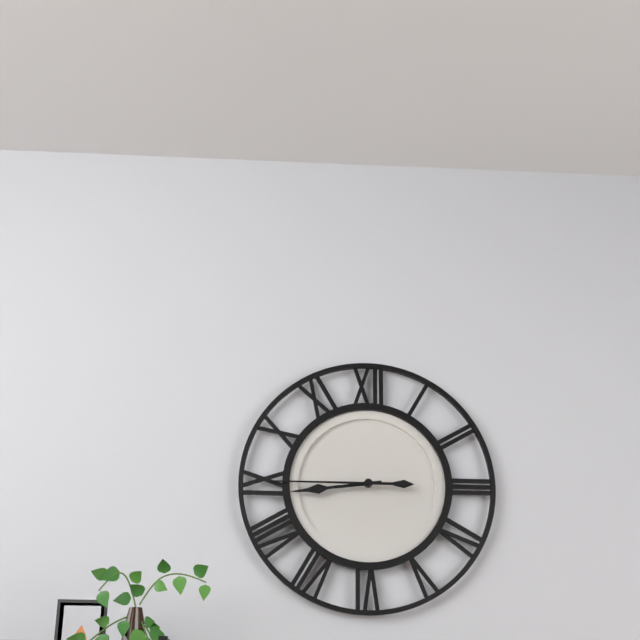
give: {"hour": 8, "minute": 45}
